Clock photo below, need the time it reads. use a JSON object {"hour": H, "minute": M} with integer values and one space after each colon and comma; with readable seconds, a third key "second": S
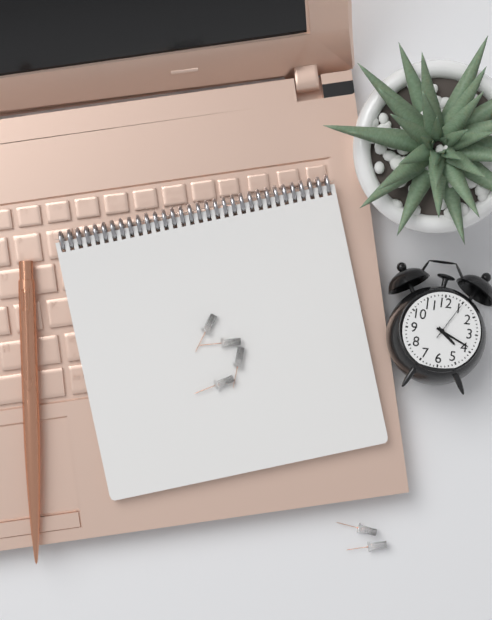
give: {"hour": 4, "minute": 19}
